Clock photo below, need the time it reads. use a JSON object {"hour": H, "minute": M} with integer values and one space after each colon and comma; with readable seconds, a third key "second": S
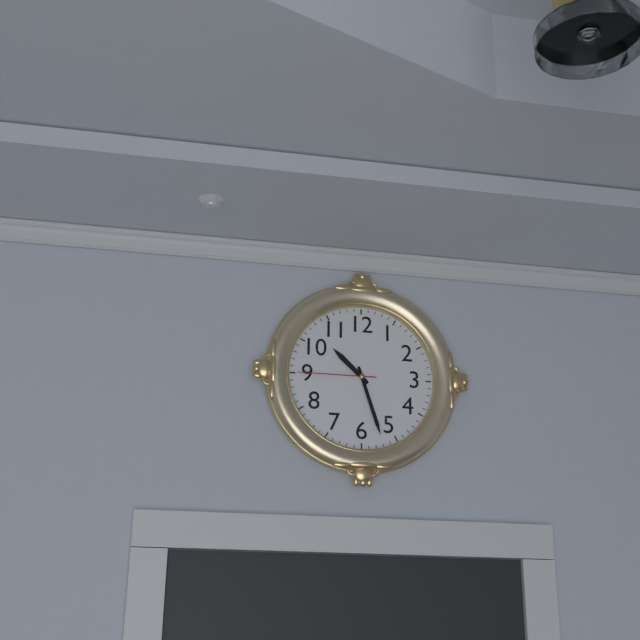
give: {"hour": 10, "minute": 27, "second": 45}
